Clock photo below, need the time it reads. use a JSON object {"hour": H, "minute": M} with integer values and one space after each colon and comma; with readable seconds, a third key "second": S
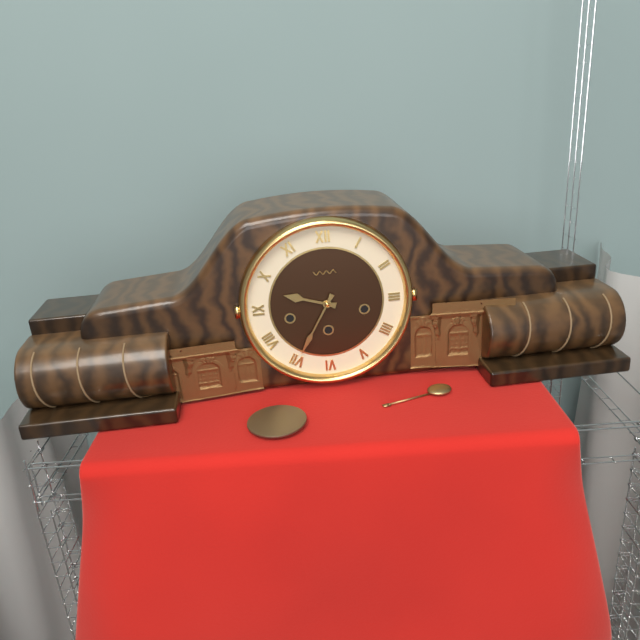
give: {"hour": 9, "minute": 35}
